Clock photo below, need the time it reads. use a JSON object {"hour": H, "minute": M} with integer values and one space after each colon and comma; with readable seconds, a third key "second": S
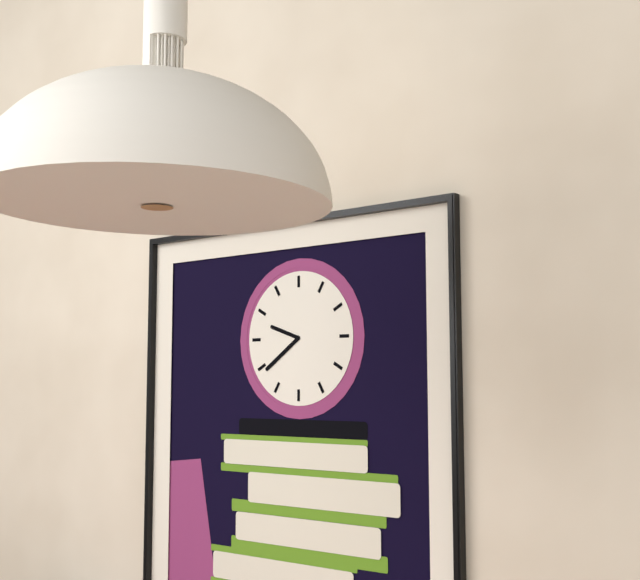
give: {"hour": 9, "minute": 39}
